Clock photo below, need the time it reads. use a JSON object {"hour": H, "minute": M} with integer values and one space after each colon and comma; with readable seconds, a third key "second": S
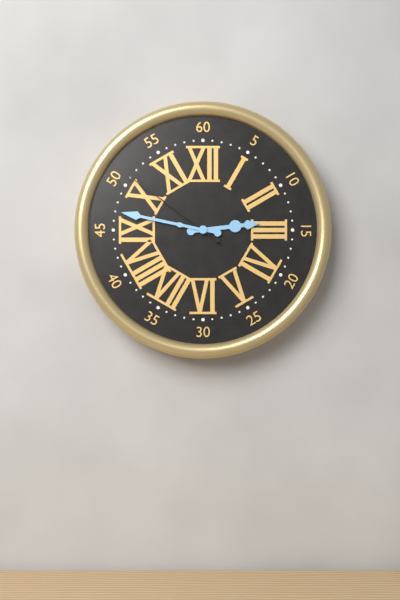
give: {"hour": 2, "minute": 47, "second": 51}
